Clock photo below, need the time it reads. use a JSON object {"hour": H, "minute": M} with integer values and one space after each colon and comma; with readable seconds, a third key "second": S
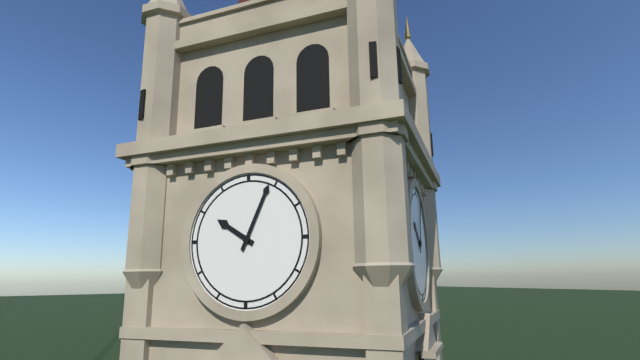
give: {"hour": 10, "minute": 4}
